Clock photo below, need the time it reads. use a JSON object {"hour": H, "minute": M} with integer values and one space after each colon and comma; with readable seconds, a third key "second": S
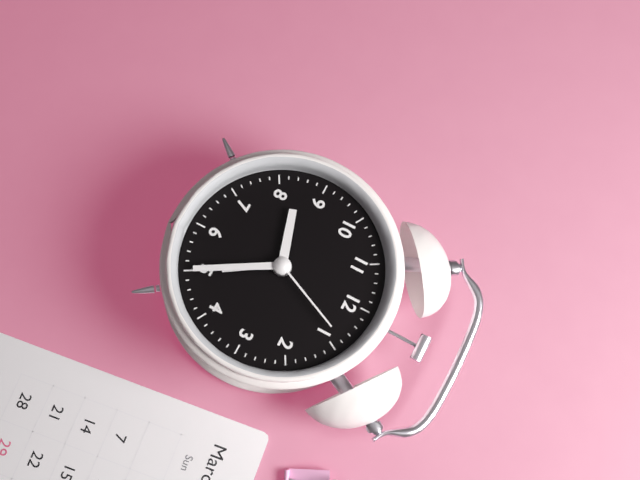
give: {"hour": 8, "minute": 25, "second": 4}
